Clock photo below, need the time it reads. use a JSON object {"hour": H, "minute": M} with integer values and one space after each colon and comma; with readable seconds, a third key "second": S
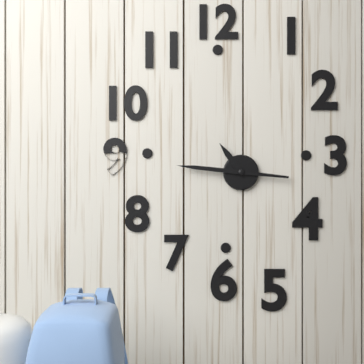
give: {"hour": 10, "minute": 46}
